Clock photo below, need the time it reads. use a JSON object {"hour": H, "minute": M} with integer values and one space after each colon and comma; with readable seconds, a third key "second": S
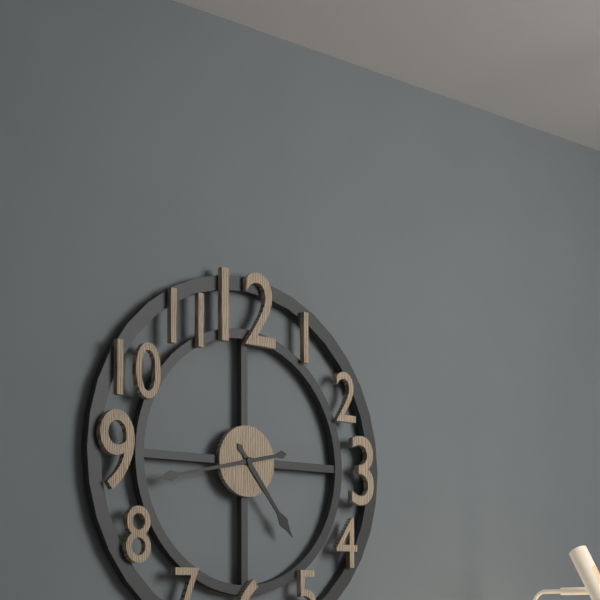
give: {"hour": 4, "minute": 43}
